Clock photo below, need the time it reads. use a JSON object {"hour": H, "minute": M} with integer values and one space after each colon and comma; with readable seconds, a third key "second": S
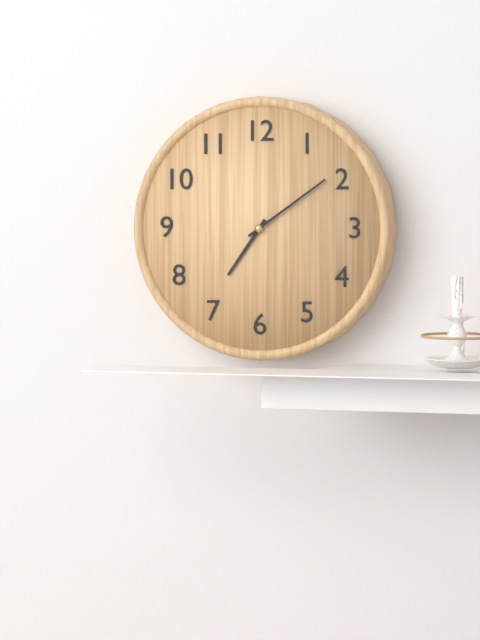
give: {"hour": 7, "minute": 9}
